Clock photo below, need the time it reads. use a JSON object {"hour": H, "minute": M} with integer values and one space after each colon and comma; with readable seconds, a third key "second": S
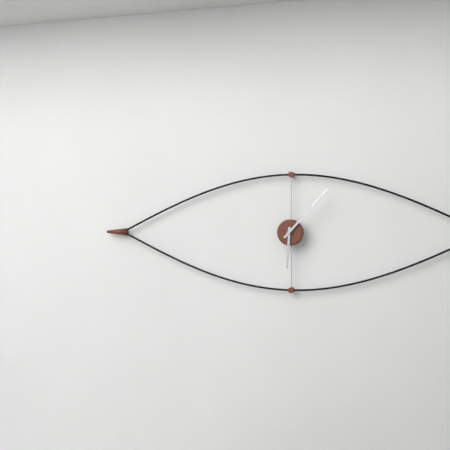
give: {"hour": 6, "minute": 7}
